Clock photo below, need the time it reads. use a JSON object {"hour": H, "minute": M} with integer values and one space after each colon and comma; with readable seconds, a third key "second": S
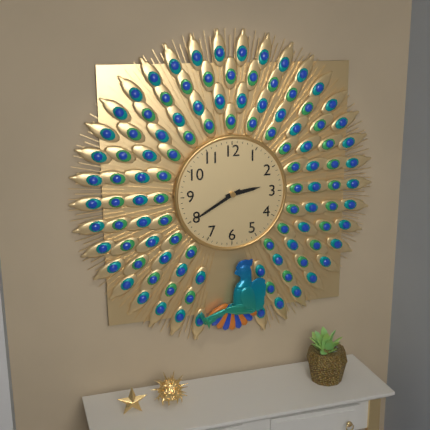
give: {"hour": 2, "minute": 40}
